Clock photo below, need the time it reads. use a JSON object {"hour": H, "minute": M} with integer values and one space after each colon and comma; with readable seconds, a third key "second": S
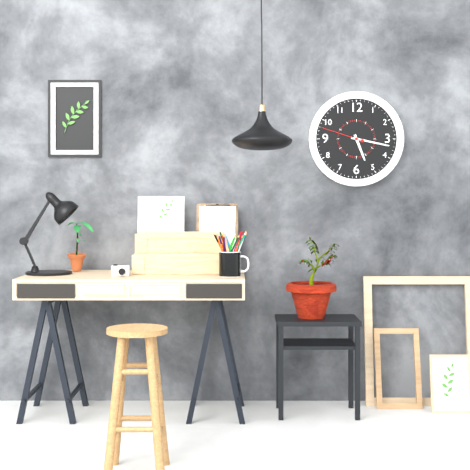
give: {"hour": 5, "minute": 17}
